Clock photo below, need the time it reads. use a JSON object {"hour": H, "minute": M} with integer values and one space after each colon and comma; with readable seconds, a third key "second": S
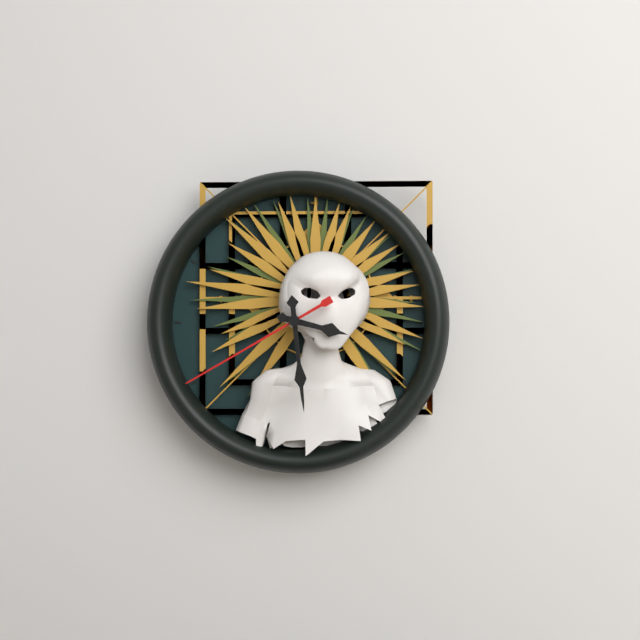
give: {"hour": 3, "minute": 29, "second": 40}
